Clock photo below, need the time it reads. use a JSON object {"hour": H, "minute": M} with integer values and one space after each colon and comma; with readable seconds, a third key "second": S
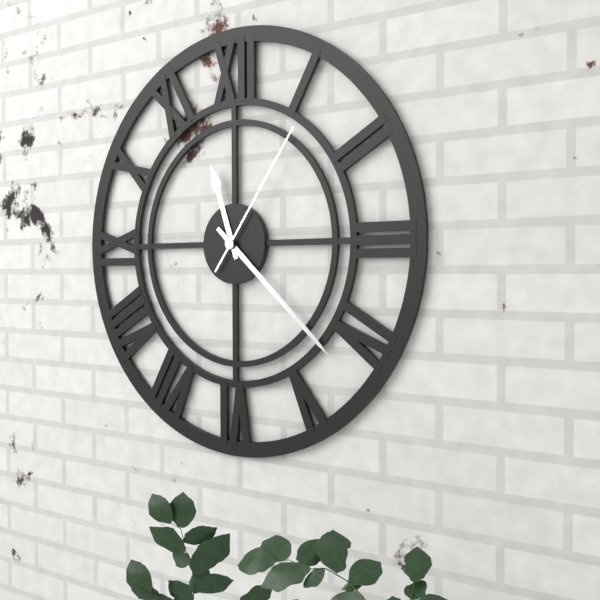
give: {"hour": 11, "minute": 22, "second": 6}
